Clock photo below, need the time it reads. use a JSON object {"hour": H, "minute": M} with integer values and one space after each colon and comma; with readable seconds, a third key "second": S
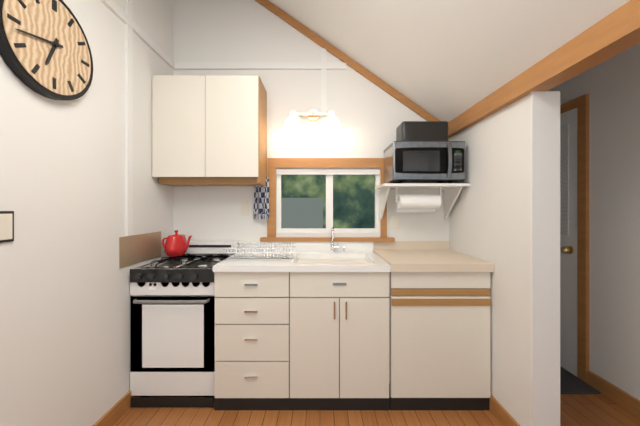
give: {"hour": 6, "minute": 43}
